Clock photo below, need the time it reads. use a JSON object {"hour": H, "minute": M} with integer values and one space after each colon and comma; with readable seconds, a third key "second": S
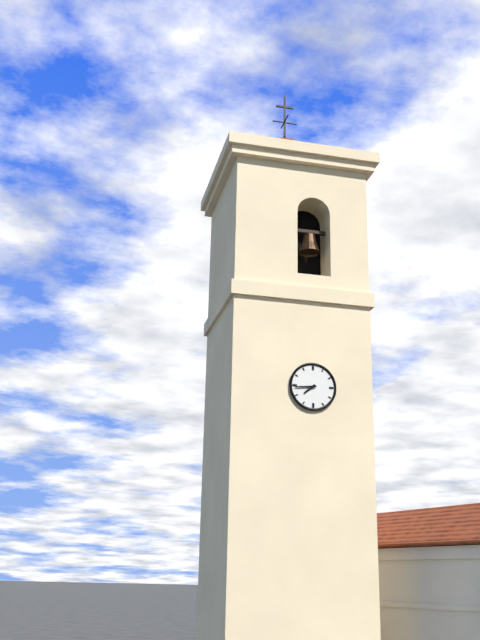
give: {"hour": 7, "minute": 44}
